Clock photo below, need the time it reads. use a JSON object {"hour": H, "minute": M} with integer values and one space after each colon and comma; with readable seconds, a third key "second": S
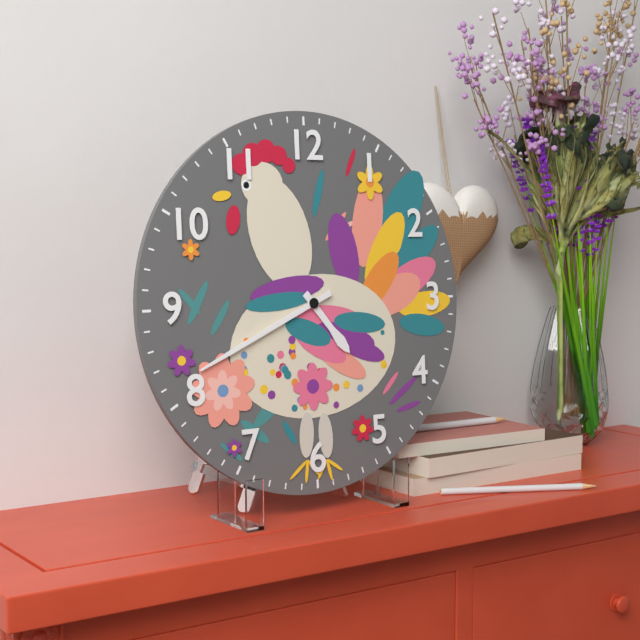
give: {"hour": 4, "minute": 41}
